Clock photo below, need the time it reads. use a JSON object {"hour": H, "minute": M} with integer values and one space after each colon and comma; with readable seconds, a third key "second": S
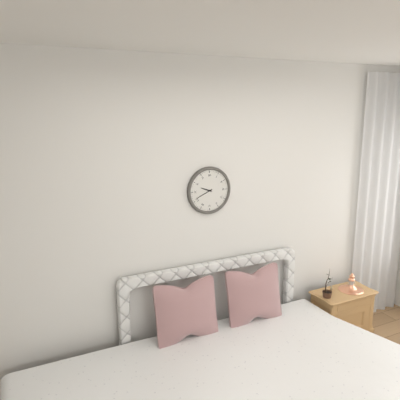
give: {"hour": 9, "minute": 41}
